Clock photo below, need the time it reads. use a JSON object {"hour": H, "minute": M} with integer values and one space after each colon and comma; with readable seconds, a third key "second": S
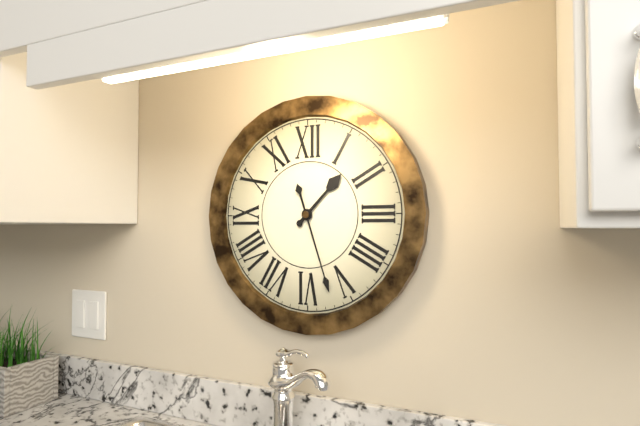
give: {"hour": 1, "minute": 27}
